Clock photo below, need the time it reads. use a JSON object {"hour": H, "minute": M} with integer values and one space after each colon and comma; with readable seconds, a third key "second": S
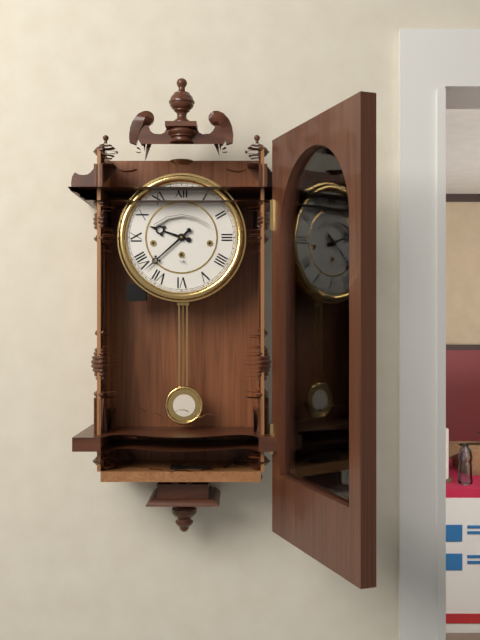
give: {"hour": 9, "minute": 38}
